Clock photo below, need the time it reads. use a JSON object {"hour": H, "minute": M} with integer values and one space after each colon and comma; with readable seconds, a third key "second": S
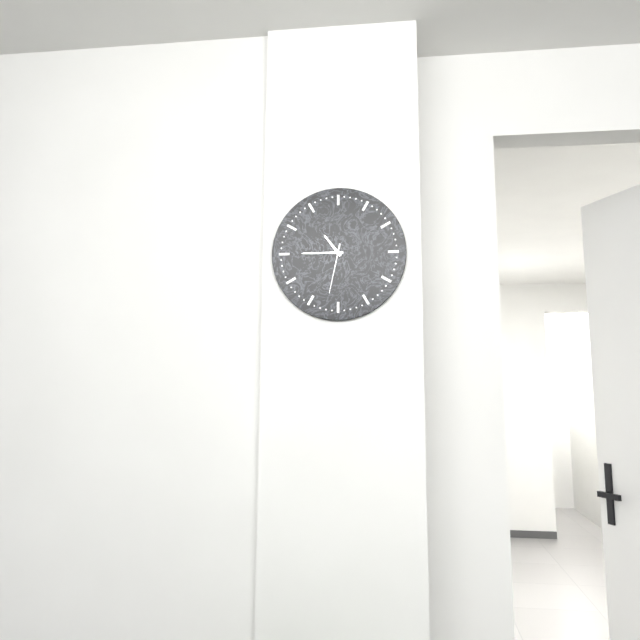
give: {"hour": 10, "minute": 45, "second": 32}
